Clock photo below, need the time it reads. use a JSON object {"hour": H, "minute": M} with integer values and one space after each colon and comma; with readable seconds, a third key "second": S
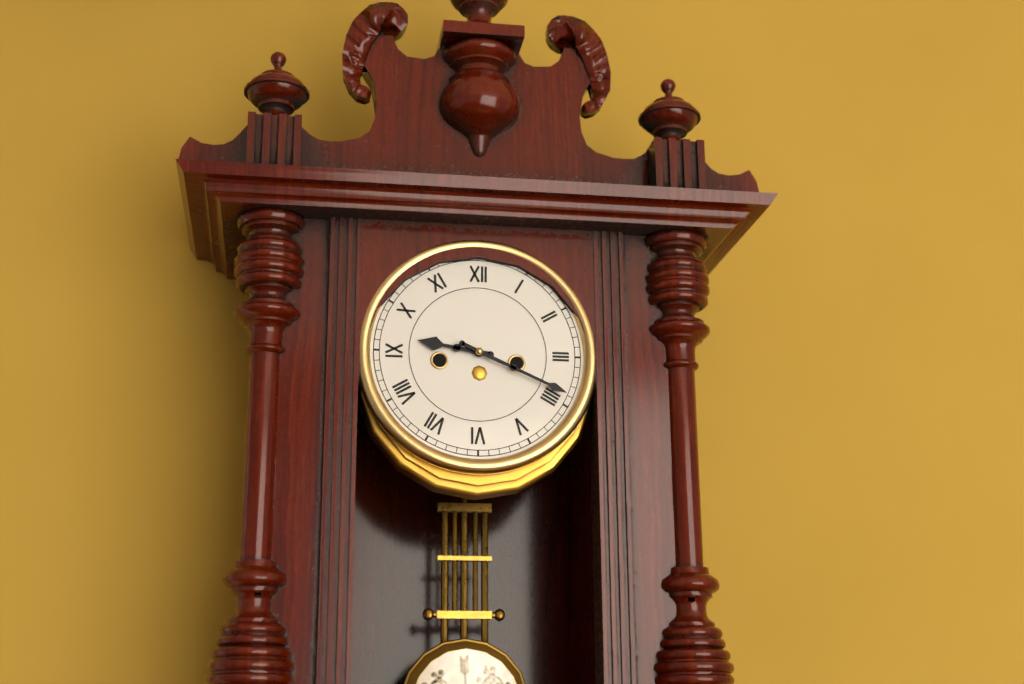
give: {"hour": 9, "minute": 19}
